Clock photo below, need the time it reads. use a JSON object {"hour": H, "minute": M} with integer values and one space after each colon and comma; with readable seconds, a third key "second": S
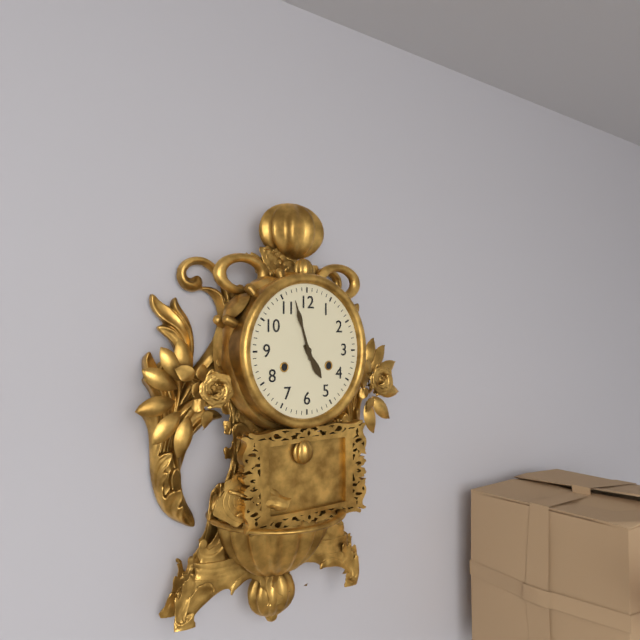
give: {"hour": 4, "minute": 57}
